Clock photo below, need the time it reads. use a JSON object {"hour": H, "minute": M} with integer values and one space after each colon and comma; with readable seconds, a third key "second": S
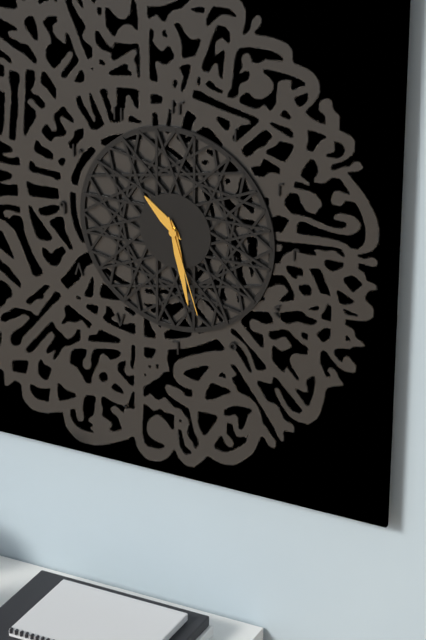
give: {"hour": 10, "minute": 28, "second": 27}
